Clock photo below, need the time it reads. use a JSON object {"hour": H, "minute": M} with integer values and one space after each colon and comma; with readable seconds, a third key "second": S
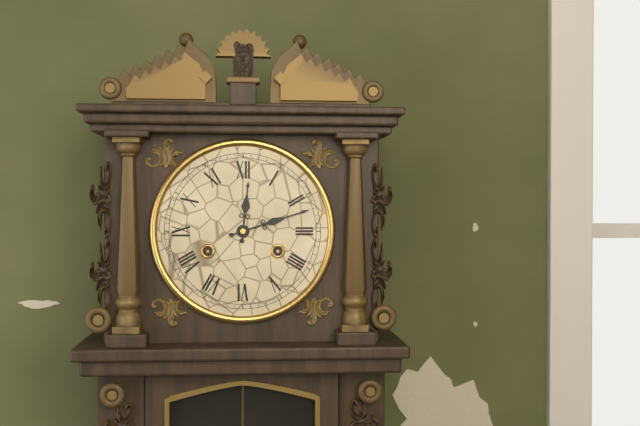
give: {"hour": 12, "minute": 12}
